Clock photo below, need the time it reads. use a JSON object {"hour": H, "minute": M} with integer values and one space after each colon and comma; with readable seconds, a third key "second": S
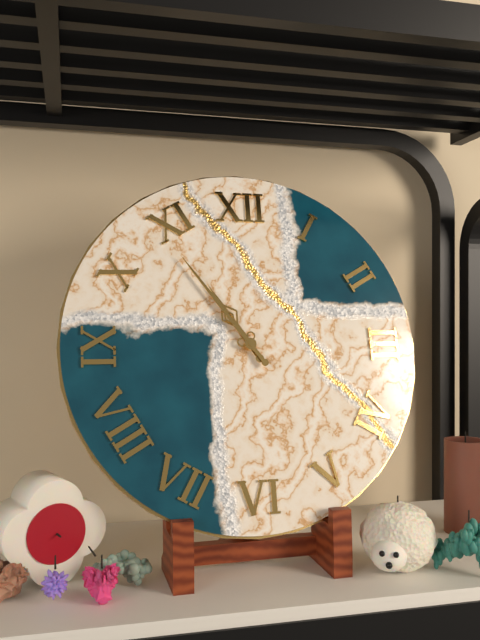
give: {"hour": 10, "minute": 54}
